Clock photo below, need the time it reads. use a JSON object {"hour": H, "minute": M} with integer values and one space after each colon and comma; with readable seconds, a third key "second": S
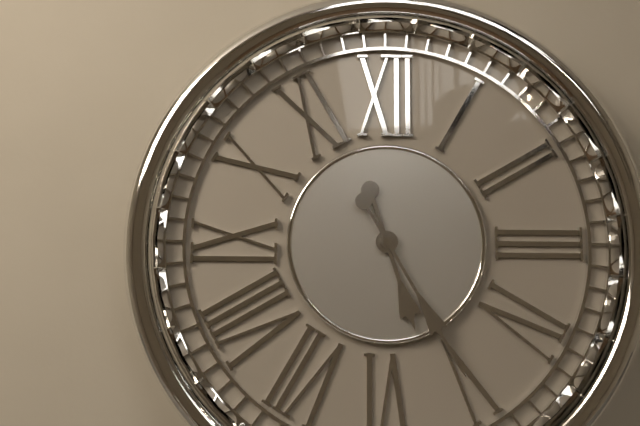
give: {"hour": 5, "minute": 25}
